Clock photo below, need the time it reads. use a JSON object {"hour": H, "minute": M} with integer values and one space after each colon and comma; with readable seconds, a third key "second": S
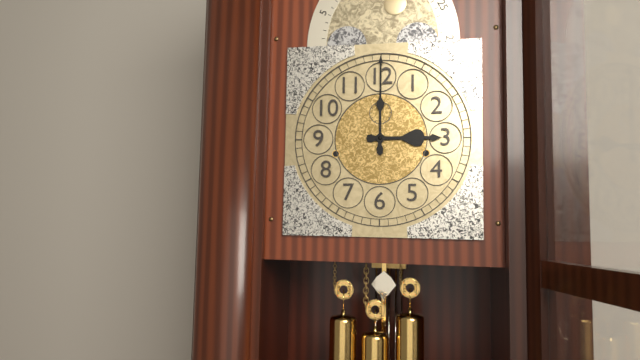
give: {"hour": 3, "minute": 0}
